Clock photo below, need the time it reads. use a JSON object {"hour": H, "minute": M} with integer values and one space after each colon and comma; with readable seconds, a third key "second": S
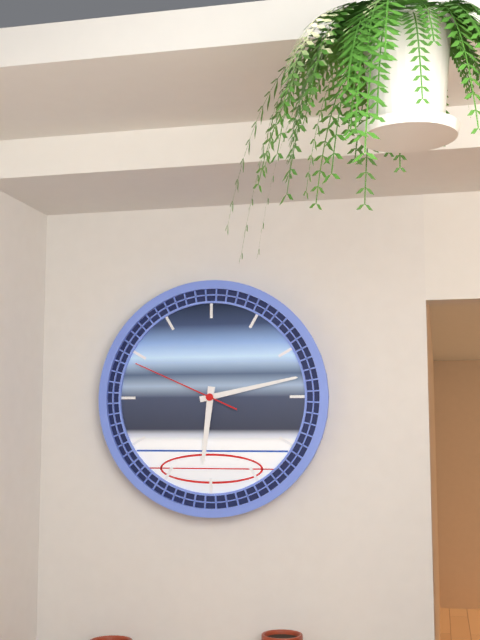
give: {"hour": 6, "minute": 13, "second": 49}
